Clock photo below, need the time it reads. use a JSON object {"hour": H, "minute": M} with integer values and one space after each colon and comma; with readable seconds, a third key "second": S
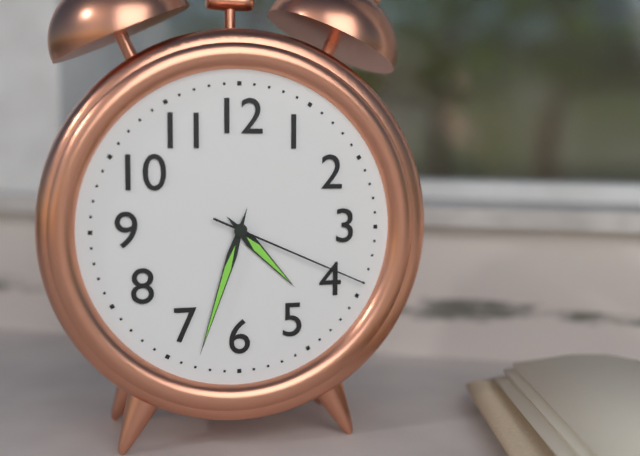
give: {"hour": 4, "minute": 33, "second": 19}
